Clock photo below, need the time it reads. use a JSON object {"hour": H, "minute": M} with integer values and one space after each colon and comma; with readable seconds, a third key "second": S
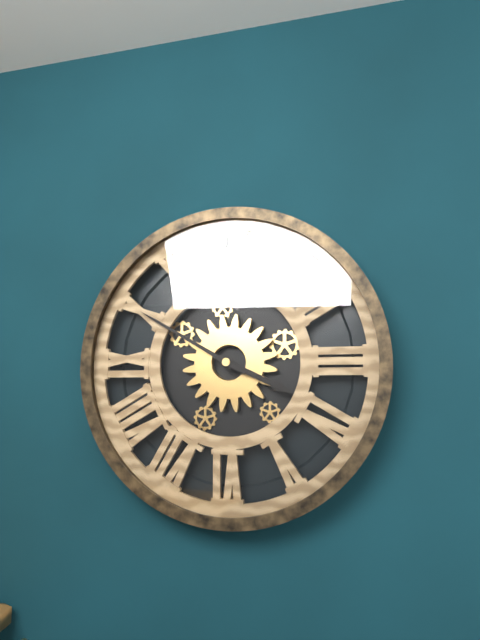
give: {"hour": 3, "minute": 50}
